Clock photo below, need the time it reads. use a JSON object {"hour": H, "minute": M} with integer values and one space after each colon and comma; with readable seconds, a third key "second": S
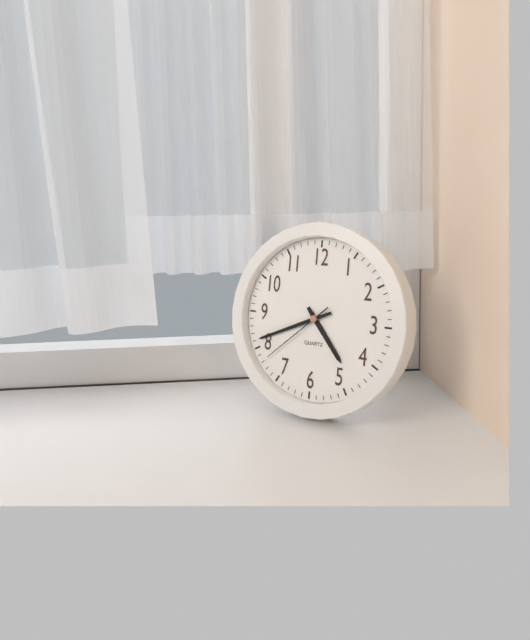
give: {"hour": 4, "minute": 41, "second": 38}
